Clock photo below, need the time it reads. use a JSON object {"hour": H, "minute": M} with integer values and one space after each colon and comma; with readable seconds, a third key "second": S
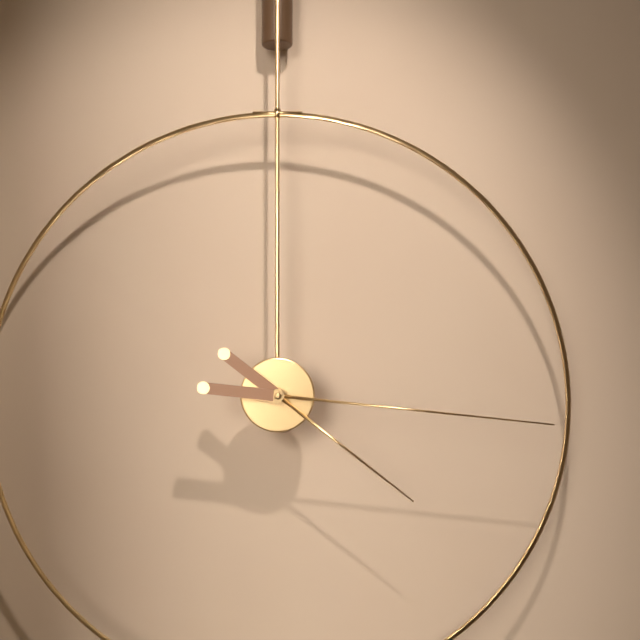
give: {"hour": 4, "minute": 16}
